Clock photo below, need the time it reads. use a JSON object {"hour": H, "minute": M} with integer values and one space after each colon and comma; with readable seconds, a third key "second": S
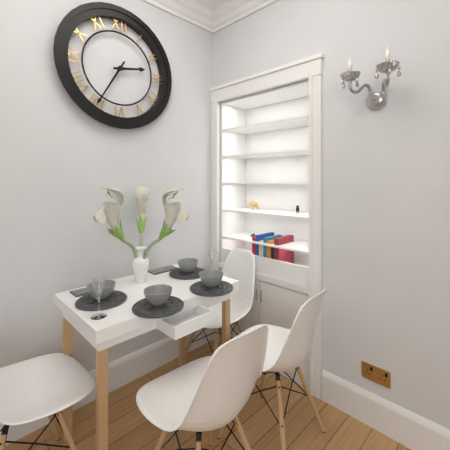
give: {"hour": 2, "minute": 35}
